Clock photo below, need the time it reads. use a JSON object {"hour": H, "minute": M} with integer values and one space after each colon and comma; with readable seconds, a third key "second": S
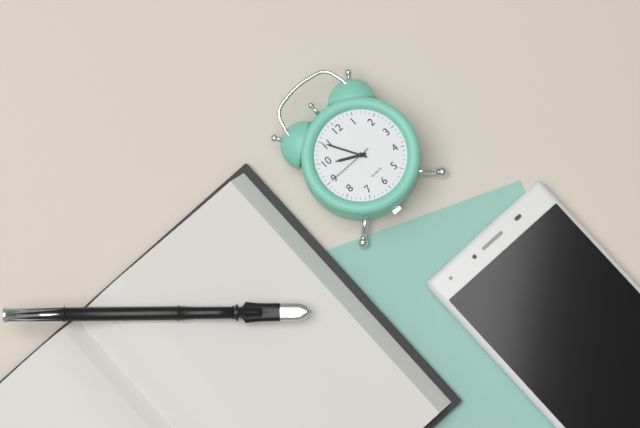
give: {"hour": 9, "minute": 55}
